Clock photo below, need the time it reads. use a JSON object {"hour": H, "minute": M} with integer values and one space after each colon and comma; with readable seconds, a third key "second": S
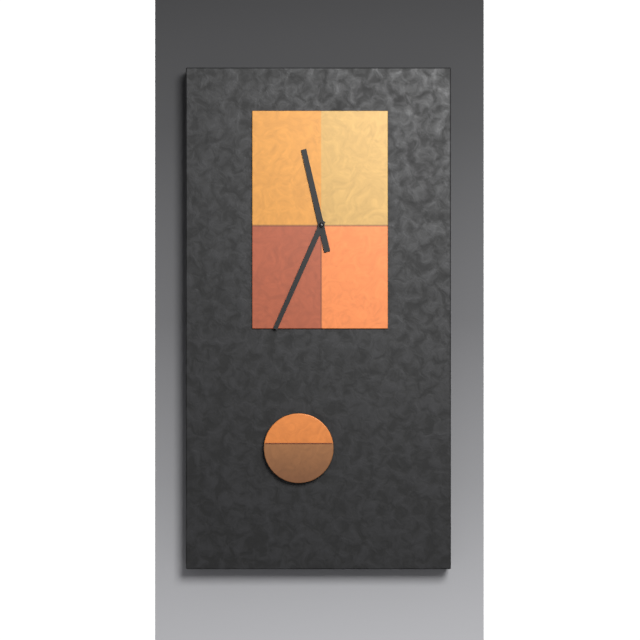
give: {"hour": 11, "minute": 34}
